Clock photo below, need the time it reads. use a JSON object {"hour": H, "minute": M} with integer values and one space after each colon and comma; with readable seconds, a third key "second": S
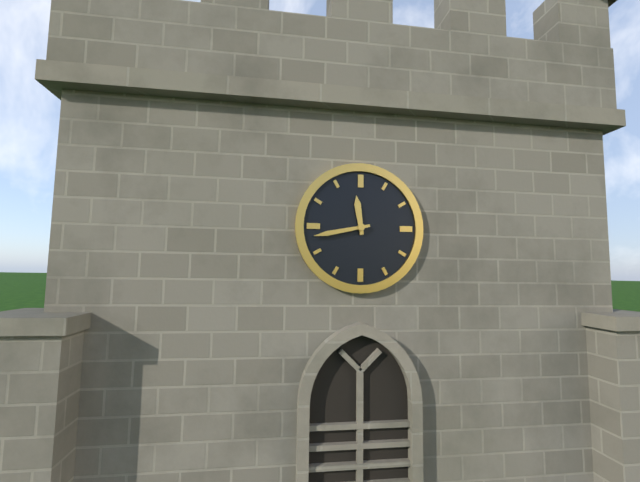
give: {"hour": 11, "minute": 43}
